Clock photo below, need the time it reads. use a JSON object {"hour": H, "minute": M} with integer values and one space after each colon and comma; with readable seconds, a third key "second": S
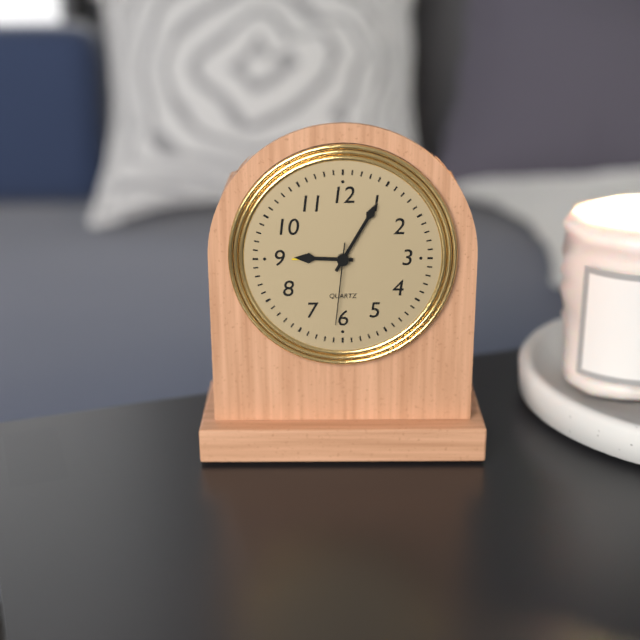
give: {"hour": 9, "minute": 5, "second": 31}
